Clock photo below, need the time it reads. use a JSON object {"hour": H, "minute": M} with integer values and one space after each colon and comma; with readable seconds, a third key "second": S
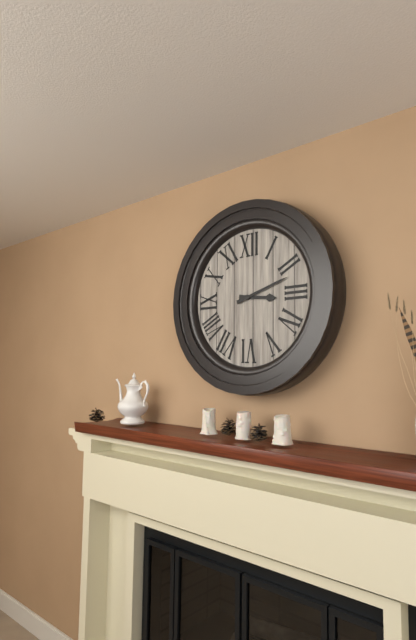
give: {"hour": 3, "minute": 12}
